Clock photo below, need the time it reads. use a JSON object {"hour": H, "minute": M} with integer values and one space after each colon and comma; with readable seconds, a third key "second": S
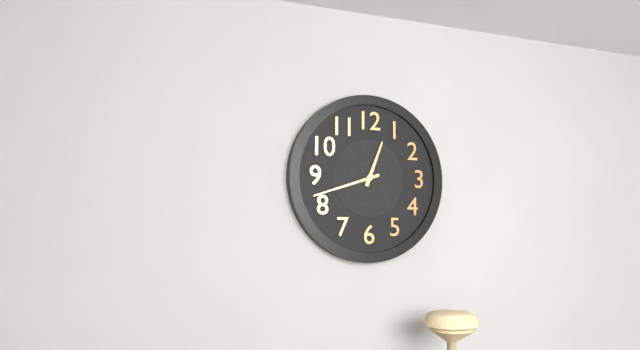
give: {"hour": 12, "minute": 42}
